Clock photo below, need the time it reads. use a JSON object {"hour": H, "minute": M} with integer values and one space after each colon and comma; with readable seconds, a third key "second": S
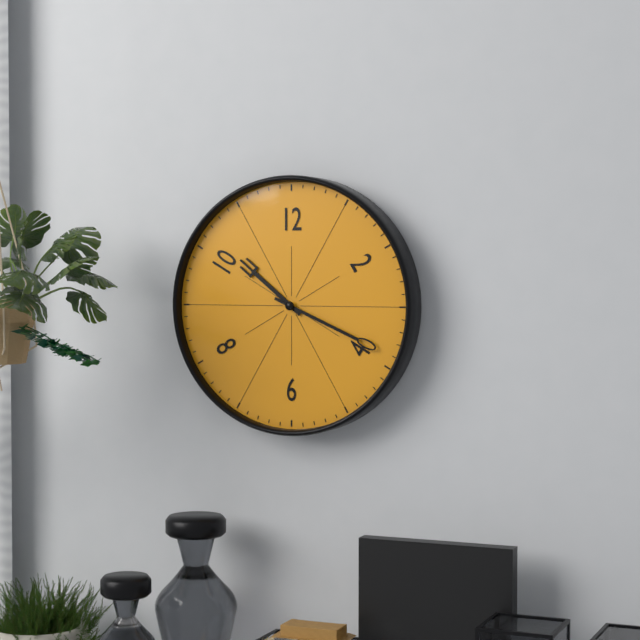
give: {"hour": 10, "minute": 19}
